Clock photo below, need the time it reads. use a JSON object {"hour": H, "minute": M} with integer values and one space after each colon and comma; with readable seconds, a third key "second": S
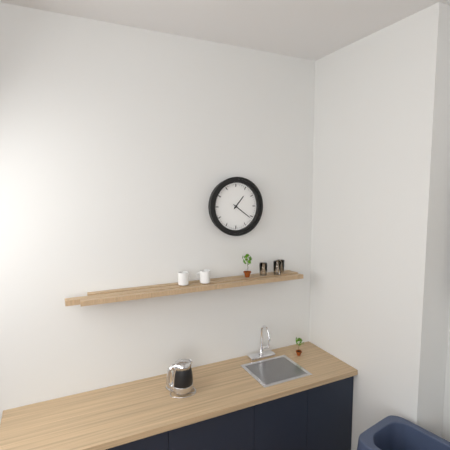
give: {"hour": 1, "minute": 21}
